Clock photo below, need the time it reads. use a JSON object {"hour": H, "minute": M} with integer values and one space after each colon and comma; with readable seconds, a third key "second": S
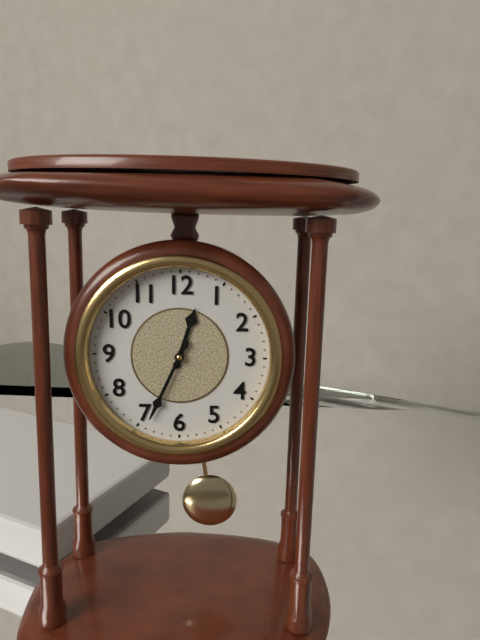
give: {"hour": 12, "minute": 34}
